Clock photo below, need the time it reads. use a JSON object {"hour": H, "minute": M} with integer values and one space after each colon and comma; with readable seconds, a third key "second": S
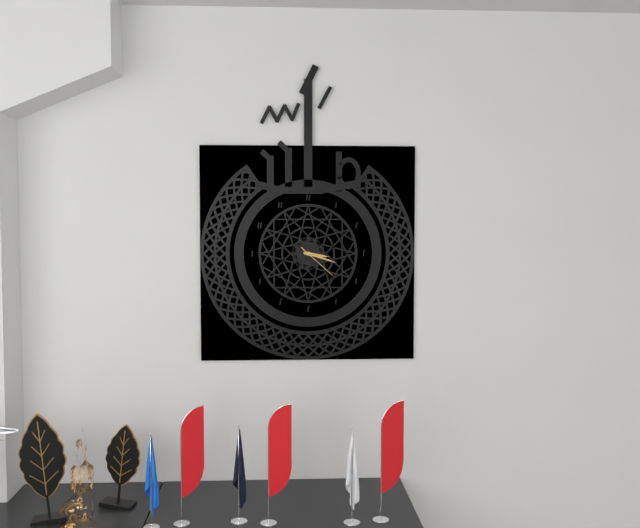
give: {"hour": 3, "minute": 18}
